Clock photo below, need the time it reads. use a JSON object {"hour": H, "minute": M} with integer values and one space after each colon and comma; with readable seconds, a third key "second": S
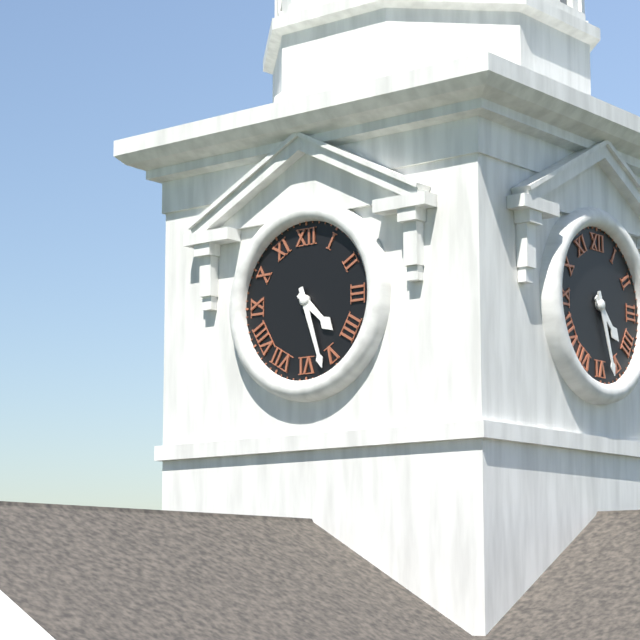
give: {"hour": 4, "minute": 27}
